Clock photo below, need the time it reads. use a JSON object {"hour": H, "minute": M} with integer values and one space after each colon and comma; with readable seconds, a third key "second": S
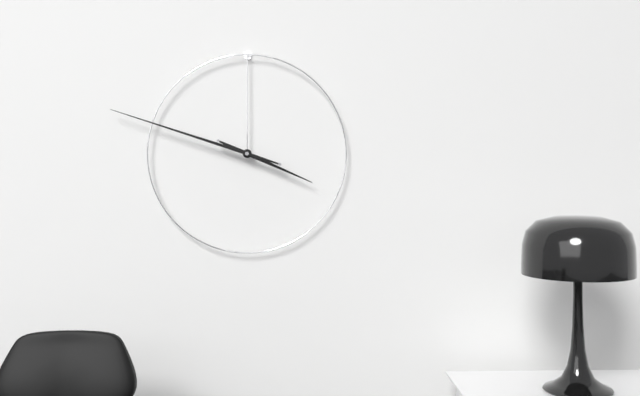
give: {"hour": 3, "minute": 48}
